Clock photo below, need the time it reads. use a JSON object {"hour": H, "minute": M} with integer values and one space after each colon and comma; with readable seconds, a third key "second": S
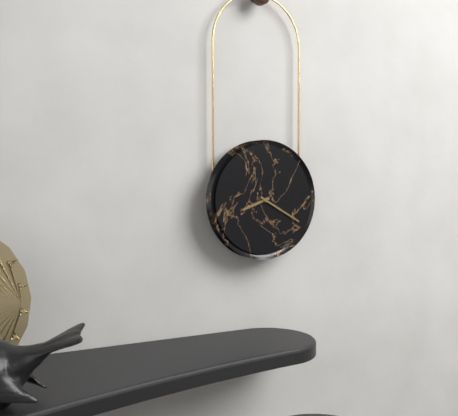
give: {"hour": 8, "minute": 20}
